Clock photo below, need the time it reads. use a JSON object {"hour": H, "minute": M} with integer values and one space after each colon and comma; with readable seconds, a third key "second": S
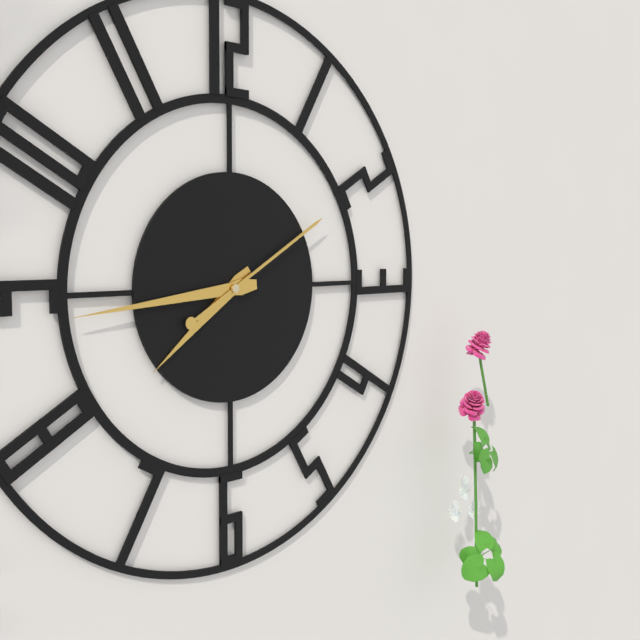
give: {"hour": 7, "minute": 44, "second": 10}
